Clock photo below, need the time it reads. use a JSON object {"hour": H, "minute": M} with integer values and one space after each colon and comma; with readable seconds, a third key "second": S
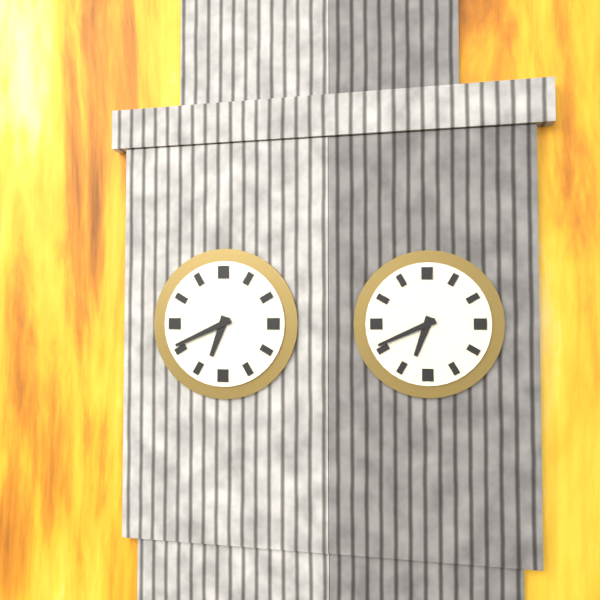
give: {"hour": 6, "minute": 41}
